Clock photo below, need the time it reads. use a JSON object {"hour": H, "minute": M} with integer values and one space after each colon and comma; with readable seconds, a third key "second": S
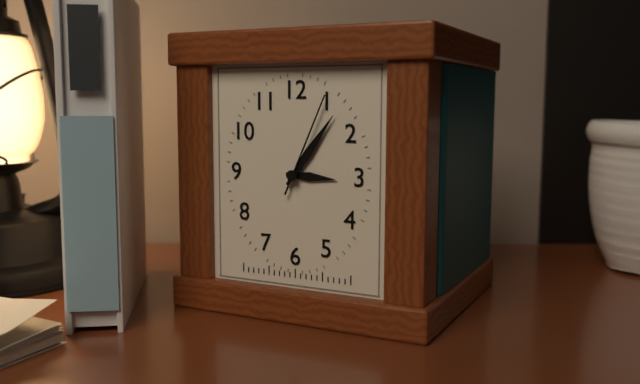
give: {"hour": 3, "minute": 6, "second": 4}
